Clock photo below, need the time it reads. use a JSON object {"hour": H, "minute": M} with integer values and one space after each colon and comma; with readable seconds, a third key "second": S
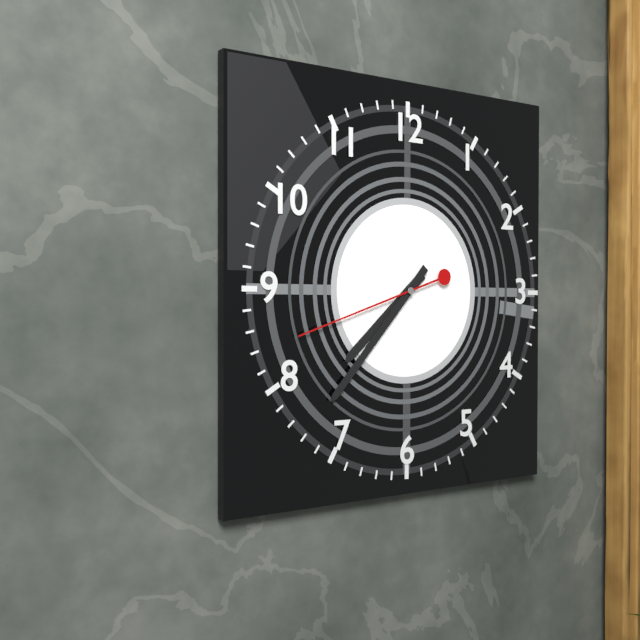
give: {"hour": 7, "minute": 37, "second": 42}
